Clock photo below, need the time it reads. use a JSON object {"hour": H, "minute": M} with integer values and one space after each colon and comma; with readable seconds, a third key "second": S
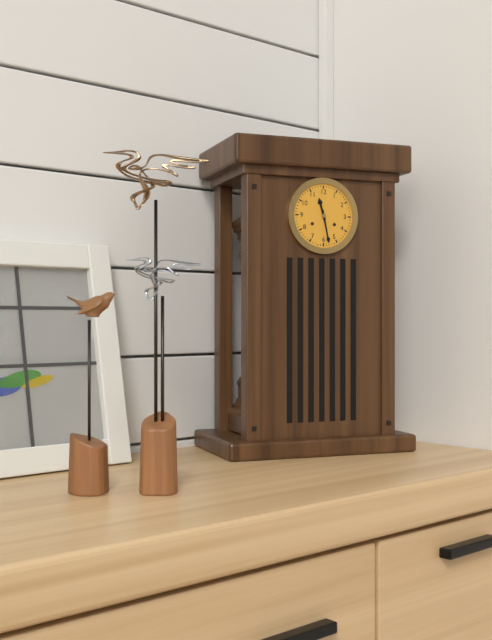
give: {"hour": 11, "minute": 28}
